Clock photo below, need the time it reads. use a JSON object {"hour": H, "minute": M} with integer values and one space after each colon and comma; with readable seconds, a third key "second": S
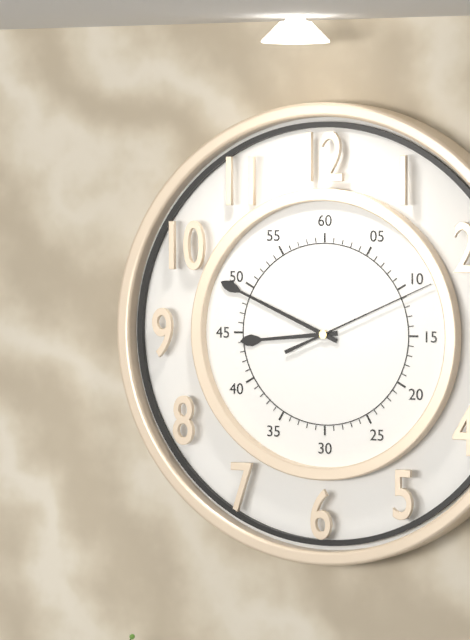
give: {"hour": 8, "minute": 49, "second": 11}
